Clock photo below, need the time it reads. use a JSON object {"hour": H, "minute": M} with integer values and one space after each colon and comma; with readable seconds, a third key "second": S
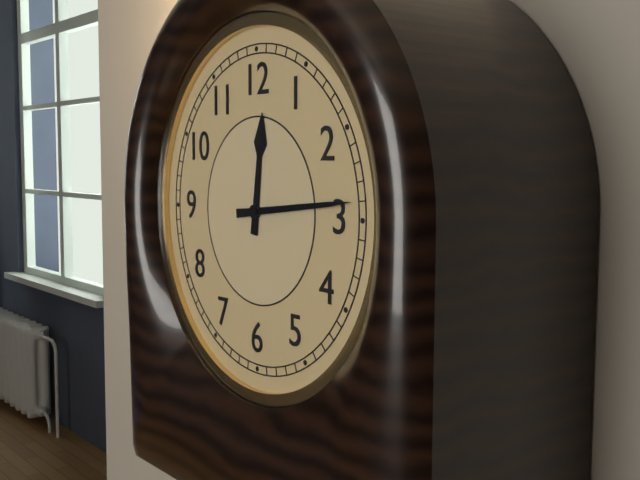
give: {"hour": 12, "minute": 14}
